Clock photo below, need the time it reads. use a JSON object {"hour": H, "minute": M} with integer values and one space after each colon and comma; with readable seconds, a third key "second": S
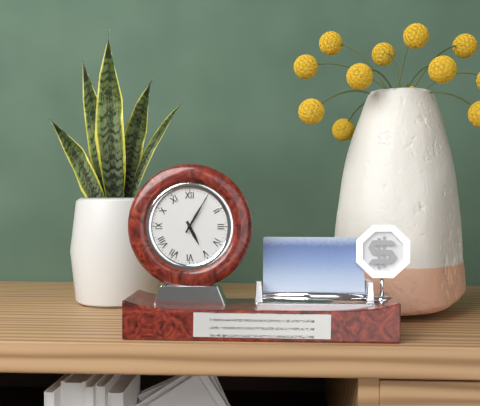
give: {"hour": 5, "minute": 5}
